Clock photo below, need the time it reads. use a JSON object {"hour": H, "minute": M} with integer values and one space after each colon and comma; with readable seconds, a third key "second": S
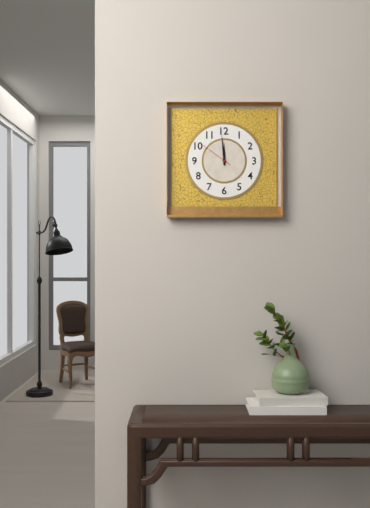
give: {"hour": 11, "minute": 59}
